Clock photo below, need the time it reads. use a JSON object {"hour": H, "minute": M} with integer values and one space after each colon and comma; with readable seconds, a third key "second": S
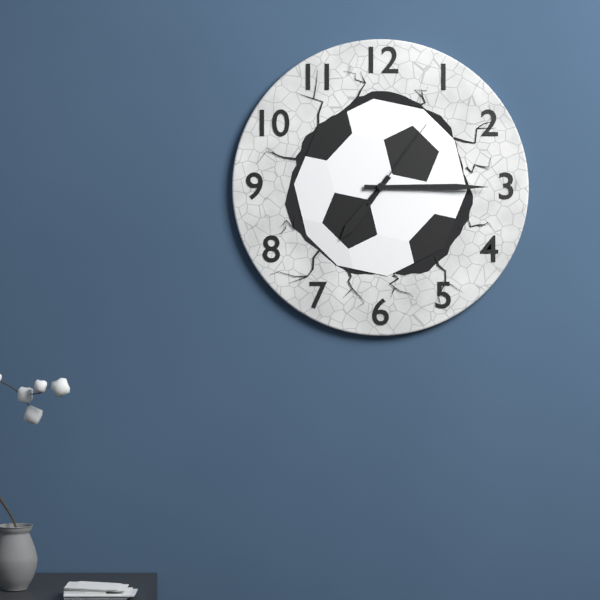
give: {"hour": 7, "minute": 15, "second": 6}
